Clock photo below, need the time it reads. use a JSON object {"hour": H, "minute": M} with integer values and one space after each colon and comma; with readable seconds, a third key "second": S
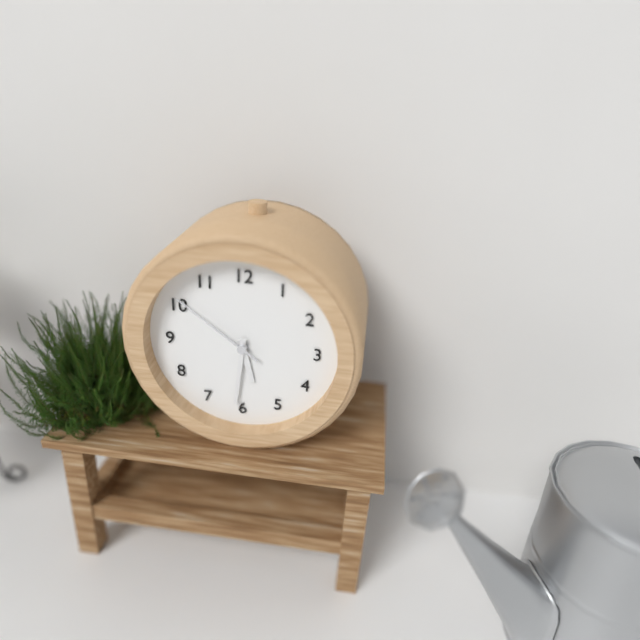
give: {"hour": 5, "minute": 31, "second": 51}
